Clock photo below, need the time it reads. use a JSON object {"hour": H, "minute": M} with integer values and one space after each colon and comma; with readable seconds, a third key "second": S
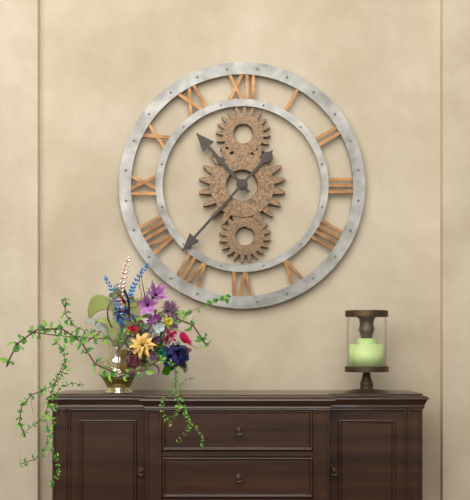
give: {"hour": 10, "minute": 37}
